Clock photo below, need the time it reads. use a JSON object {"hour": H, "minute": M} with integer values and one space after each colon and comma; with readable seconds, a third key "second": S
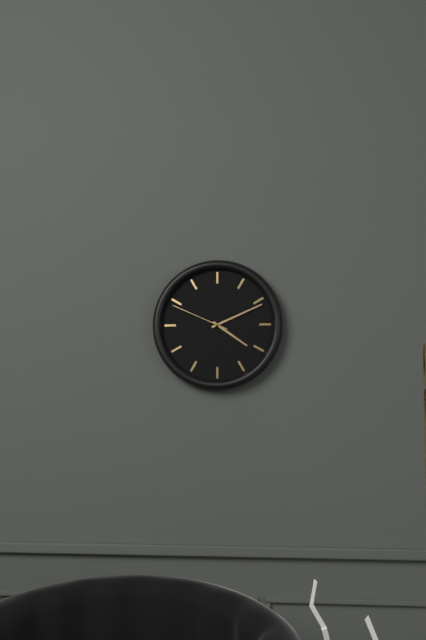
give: {"hour": 4, "minute": 11, "second": 49}
